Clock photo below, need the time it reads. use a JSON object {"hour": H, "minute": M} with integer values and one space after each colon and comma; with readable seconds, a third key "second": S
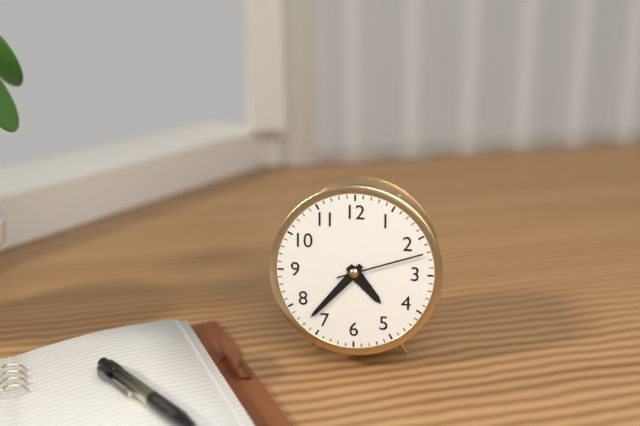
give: {"hour": 4, "minute": 37, "second": 12}
